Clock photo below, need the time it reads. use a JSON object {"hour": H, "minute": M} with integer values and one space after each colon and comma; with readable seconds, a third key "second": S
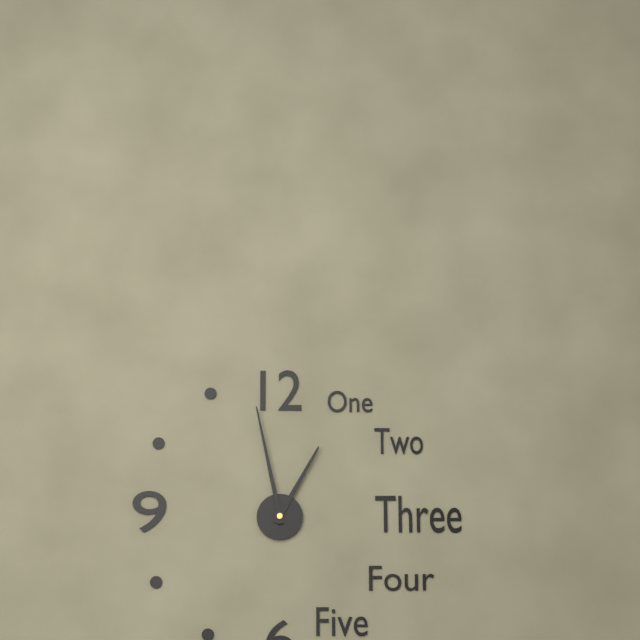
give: {"hour": 12, "minute": 58}
